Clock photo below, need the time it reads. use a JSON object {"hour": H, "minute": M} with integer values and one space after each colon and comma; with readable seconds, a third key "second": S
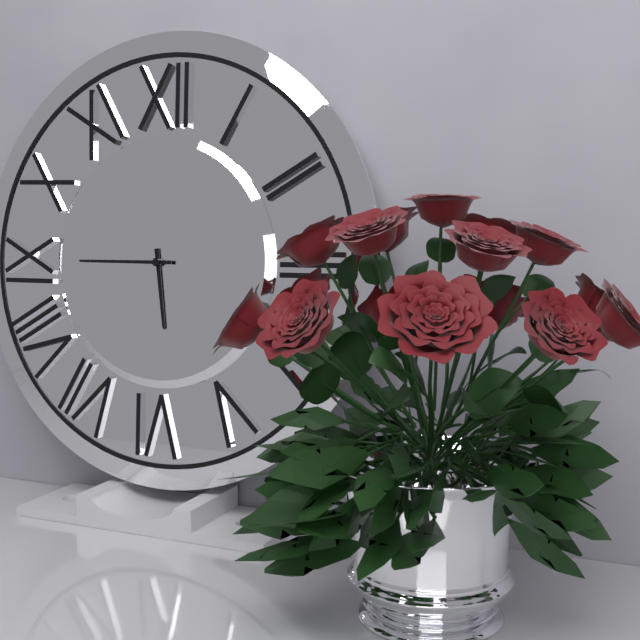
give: {"hour": 5, "minute": 45}
